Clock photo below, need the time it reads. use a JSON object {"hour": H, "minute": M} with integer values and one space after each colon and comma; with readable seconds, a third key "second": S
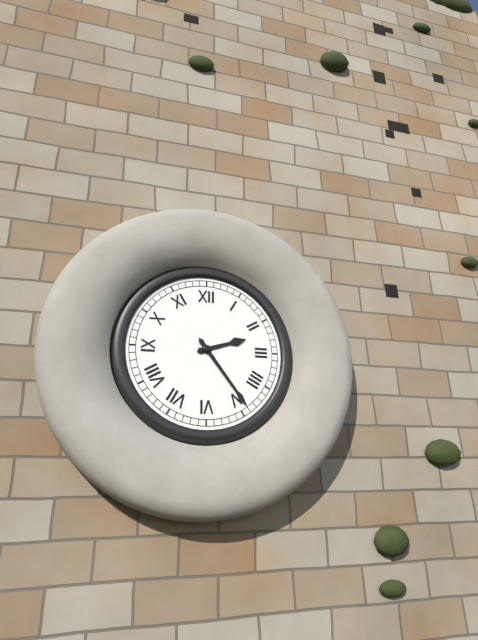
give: {"hour": 2, "minute": 24}
